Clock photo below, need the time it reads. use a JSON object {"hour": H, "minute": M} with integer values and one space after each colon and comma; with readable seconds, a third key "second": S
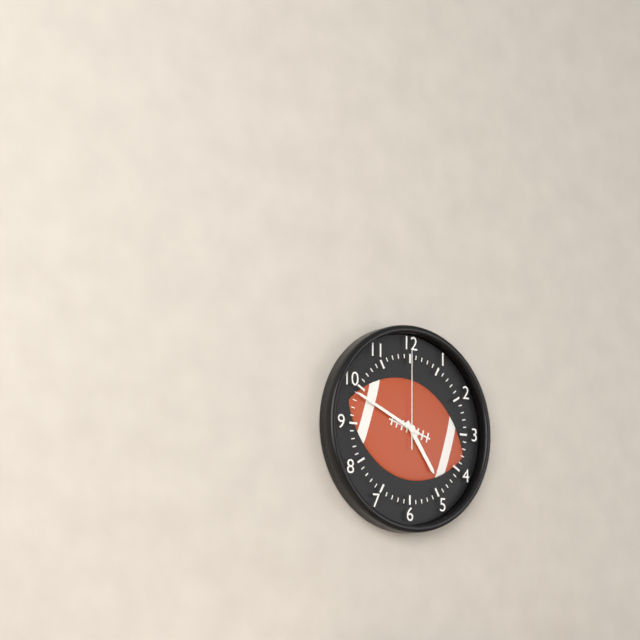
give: {"hour": 4, "minute": 49, "second": 0}
